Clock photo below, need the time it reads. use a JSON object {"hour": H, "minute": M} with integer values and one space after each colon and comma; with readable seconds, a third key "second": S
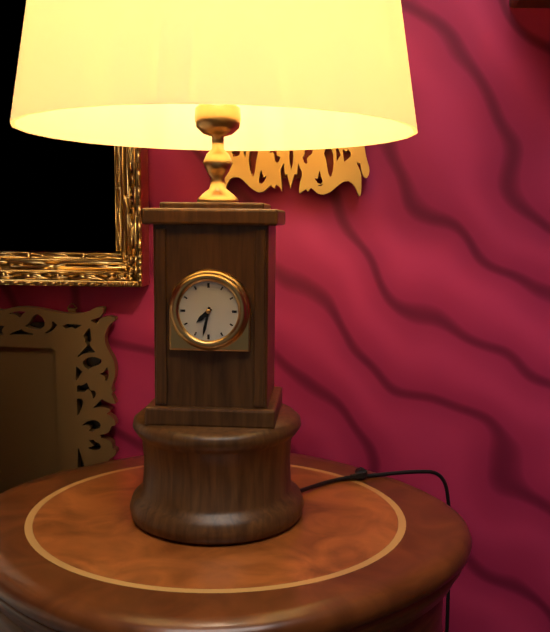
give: {"hour": 7, "minute": 32}
